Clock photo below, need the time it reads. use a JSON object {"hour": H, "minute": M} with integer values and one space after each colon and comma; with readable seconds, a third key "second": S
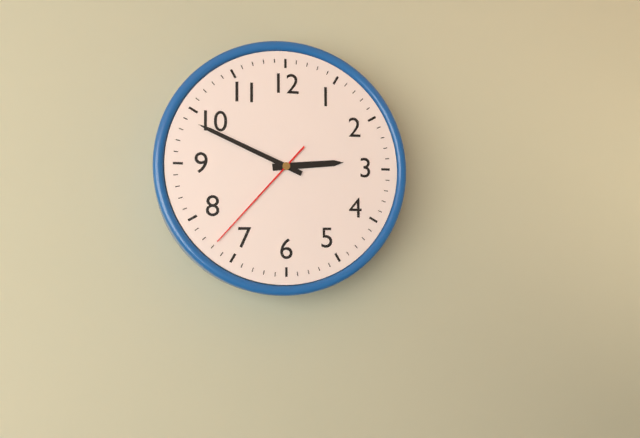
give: {"hour": 2, "minute": 49, "second": 37}
